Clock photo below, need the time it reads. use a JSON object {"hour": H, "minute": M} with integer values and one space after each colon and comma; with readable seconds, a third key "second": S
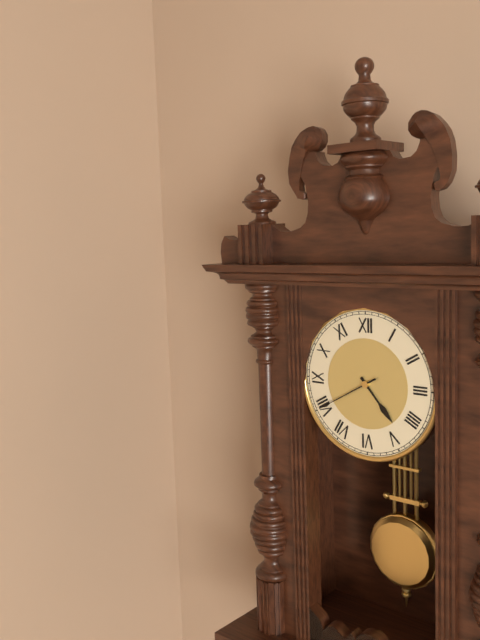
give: {"hour": 4, "minute": 40}
